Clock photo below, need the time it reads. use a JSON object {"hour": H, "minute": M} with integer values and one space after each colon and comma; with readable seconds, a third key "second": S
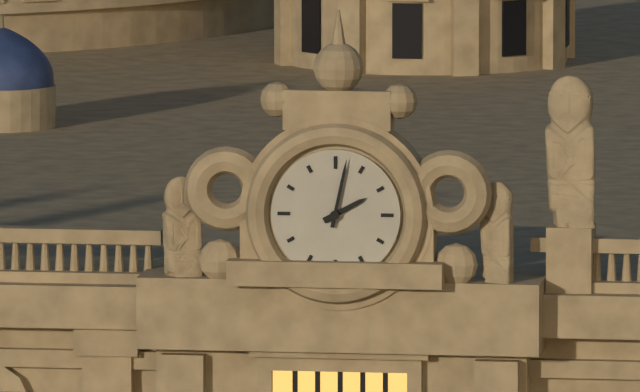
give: {"hour": 2, "minute": 2}
